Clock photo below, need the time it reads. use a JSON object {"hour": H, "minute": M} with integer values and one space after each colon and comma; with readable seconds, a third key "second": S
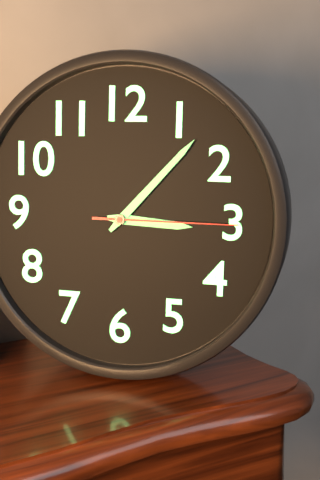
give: {"hour": 3, "minute": 7, "second": 15}
